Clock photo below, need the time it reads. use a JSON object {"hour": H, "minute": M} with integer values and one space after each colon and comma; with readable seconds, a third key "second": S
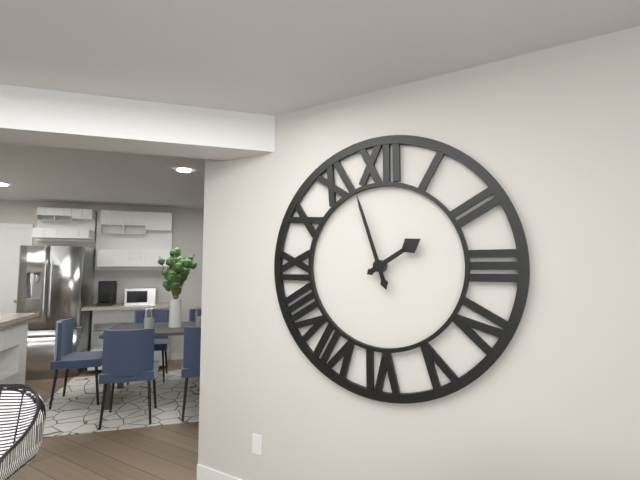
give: {"hour": 1, "minute": 57}
